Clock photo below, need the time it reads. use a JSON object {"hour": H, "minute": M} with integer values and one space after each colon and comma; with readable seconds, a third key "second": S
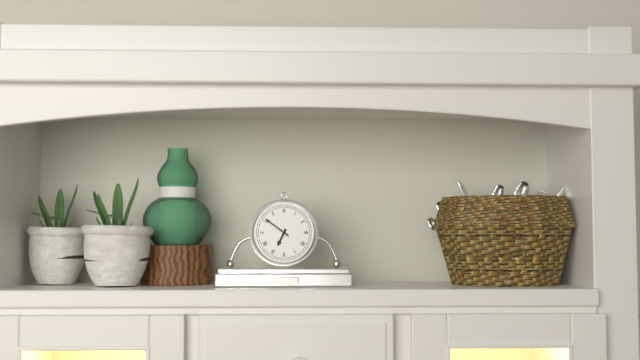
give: {"hour": 6, "minute": 51}
